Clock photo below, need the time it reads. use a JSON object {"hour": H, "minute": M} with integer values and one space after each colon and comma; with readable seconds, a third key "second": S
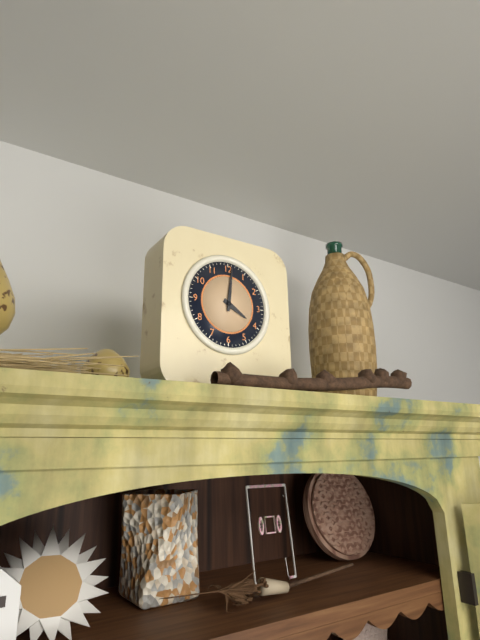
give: {"hour": 4, "minute": 1}
